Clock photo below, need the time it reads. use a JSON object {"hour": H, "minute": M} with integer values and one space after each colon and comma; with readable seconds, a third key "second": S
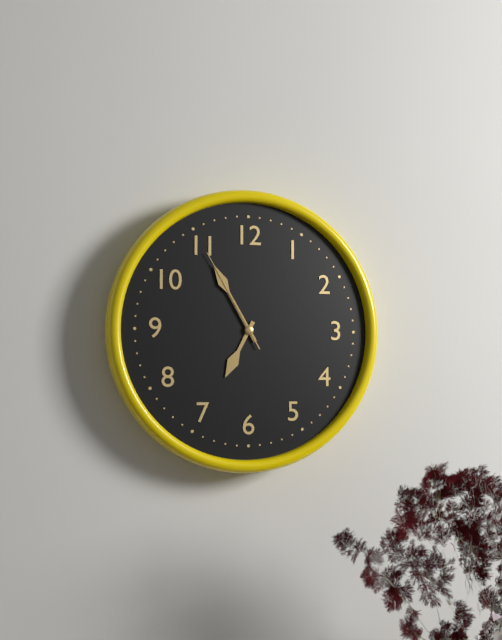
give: {"hour": 6, "minute": 55, "second": 55}
